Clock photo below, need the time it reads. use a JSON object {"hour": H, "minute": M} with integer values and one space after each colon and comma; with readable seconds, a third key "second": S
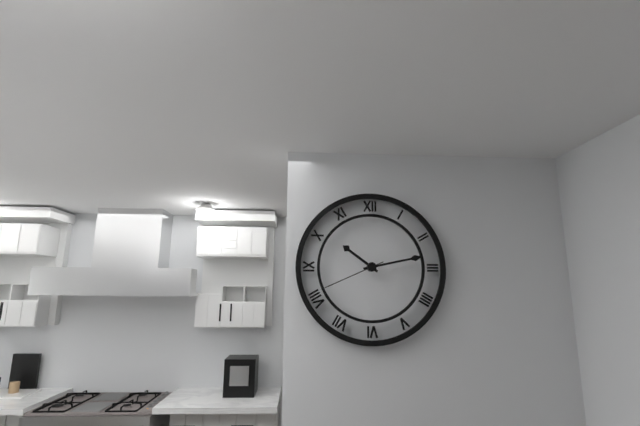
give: {"hour": 10, "minute": 13, "second": 41}
